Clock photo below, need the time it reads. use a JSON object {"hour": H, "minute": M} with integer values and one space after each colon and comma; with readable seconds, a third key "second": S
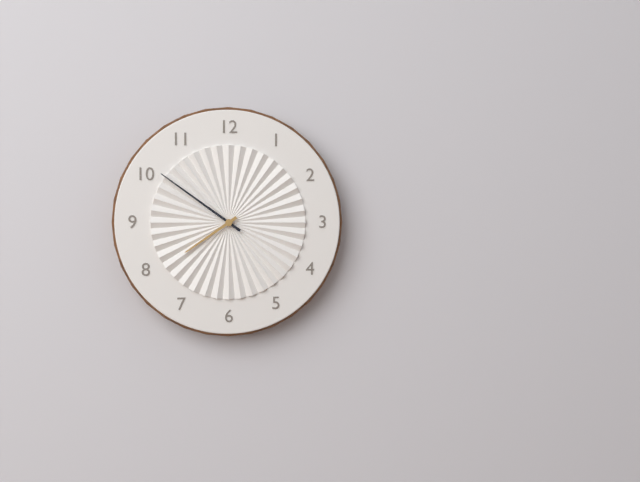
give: {"hour": 7, "minute": 51}
